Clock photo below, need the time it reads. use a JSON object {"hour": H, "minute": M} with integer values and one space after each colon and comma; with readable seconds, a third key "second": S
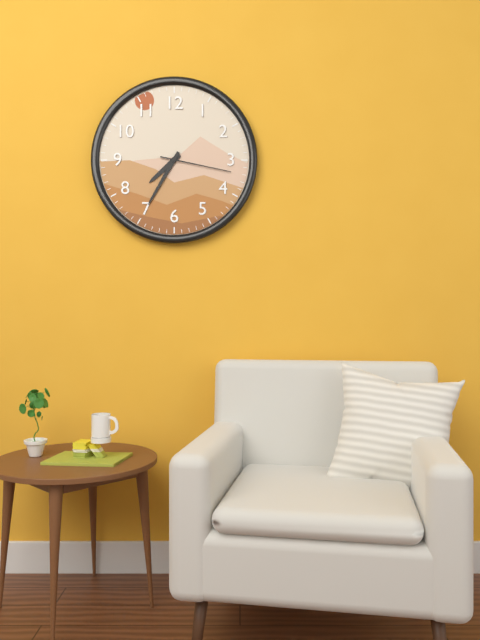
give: {"hour": 7, "minute": 35, "second": 17}
